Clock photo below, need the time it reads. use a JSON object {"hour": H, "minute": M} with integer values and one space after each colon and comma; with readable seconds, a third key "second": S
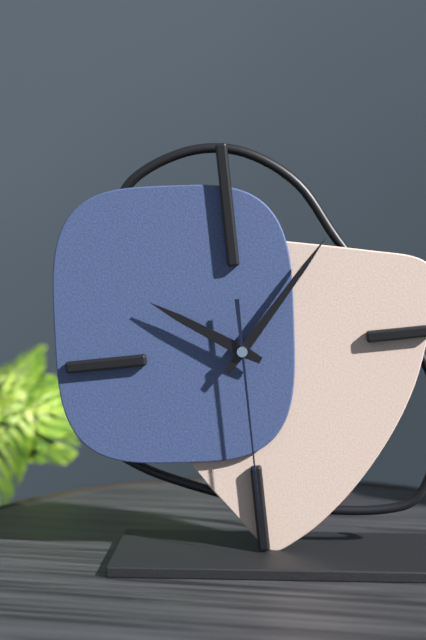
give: {"hour": 10, "minute": 7, "second": 30}
